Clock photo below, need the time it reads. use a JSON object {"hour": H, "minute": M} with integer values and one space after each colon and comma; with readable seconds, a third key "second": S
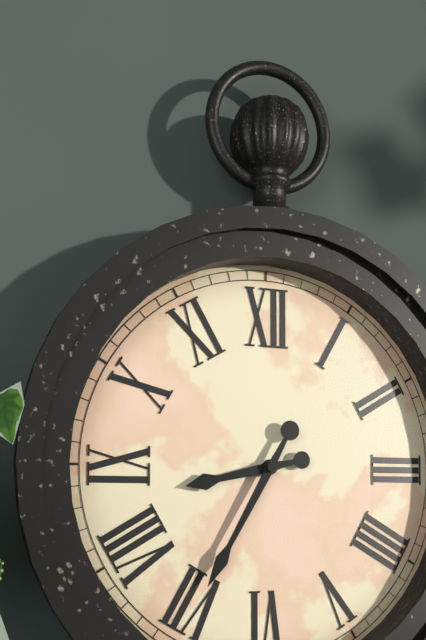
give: {"hour": 8, "minute": 35}
